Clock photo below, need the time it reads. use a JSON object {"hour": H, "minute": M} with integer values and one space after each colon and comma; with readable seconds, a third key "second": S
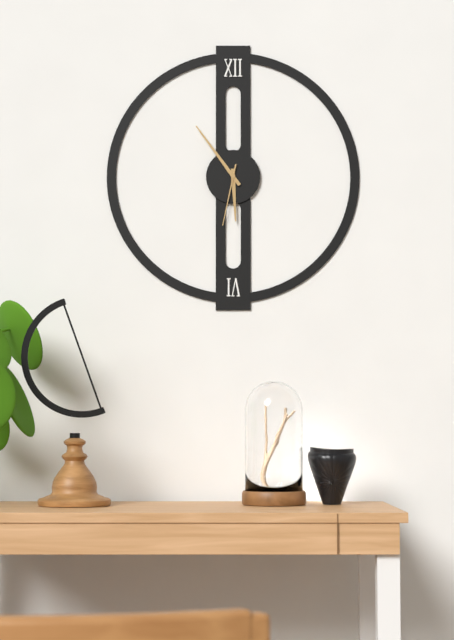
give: {"hour": 5, "minute": 54, "second": 32}
